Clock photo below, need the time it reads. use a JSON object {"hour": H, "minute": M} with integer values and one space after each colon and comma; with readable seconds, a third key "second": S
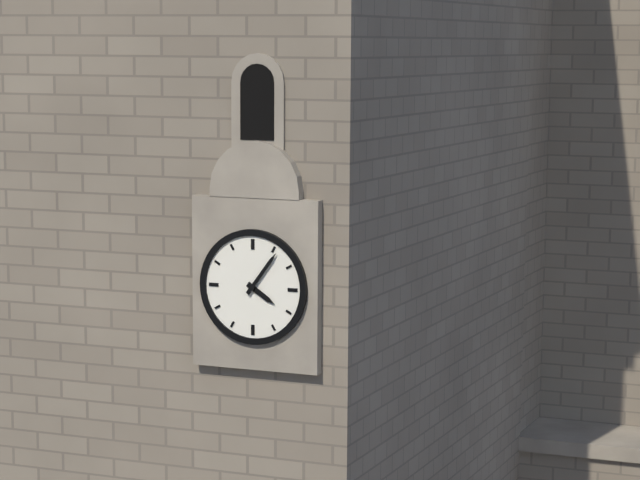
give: {"hour": 4, "minute": 6}
